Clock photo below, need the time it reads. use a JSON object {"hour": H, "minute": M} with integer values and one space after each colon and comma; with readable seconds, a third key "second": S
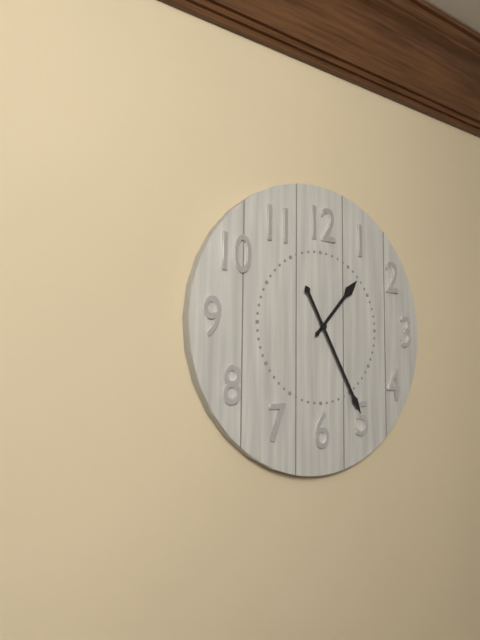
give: {"hour": 1, "minute": 25}
